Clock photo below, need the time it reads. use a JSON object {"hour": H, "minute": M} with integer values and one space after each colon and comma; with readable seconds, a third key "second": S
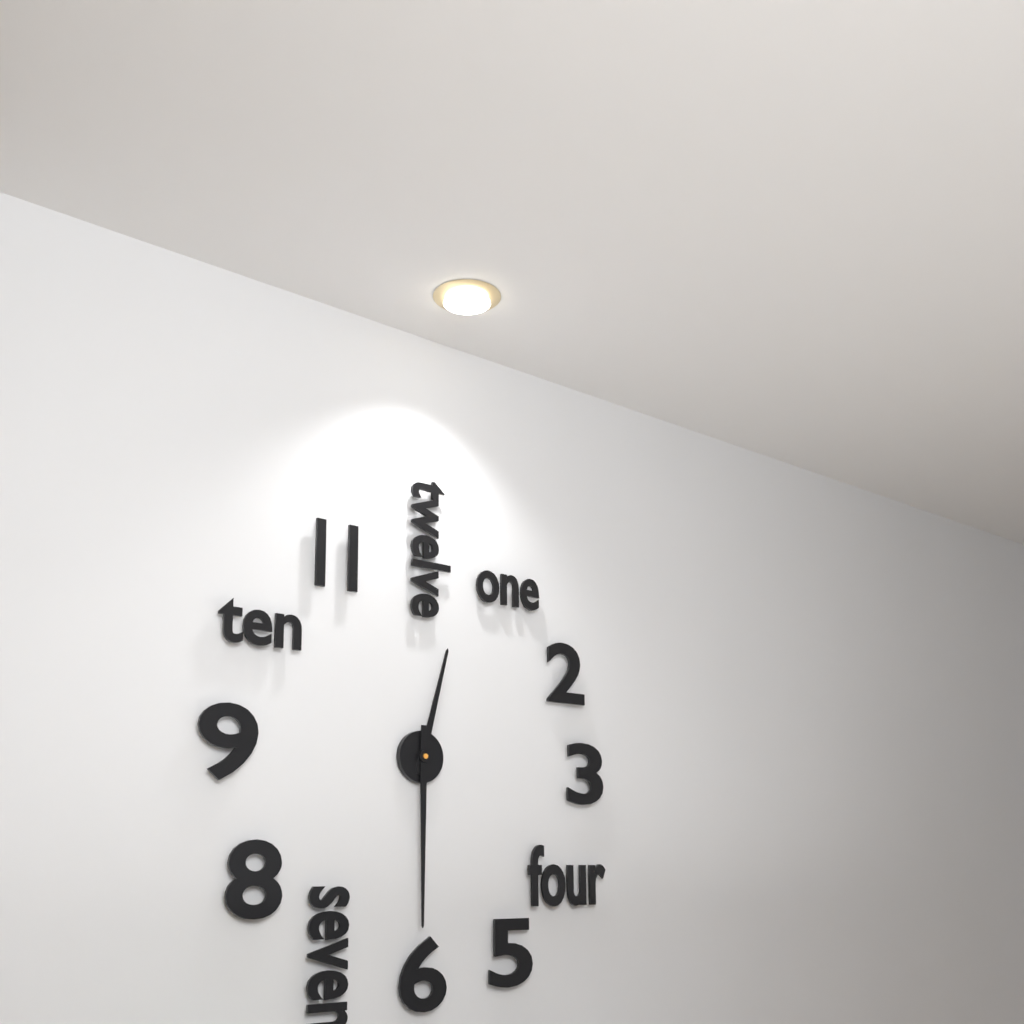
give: {"hour": 12, "minute": 30}
